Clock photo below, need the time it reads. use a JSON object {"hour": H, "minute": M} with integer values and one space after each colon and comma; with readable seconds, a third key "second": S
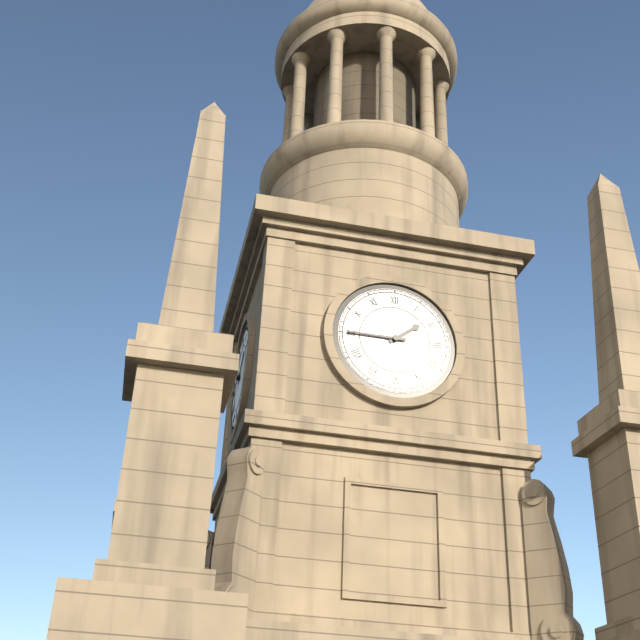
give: {"hour": 1, "minute": 45}
